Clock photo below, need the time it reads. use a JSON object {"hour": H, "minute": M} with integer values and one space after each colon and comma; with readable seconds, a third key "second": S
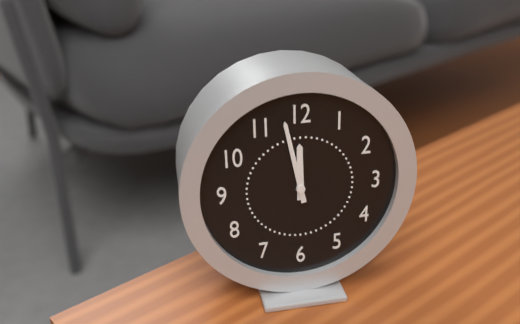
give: {"hour": 11, "minute": 58}
